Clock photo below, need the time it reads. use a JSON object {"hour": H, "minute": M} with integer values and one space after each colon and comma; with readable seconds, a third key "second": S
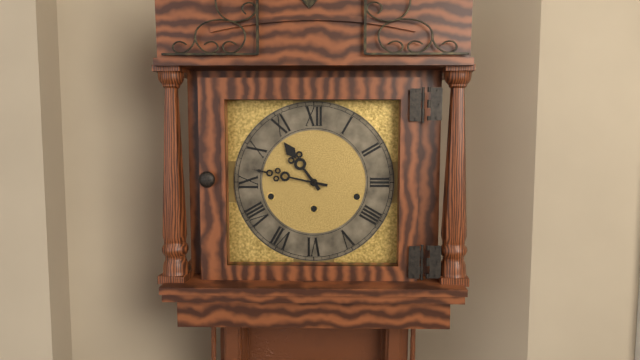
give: {"hour": 10, "minute": 47}
